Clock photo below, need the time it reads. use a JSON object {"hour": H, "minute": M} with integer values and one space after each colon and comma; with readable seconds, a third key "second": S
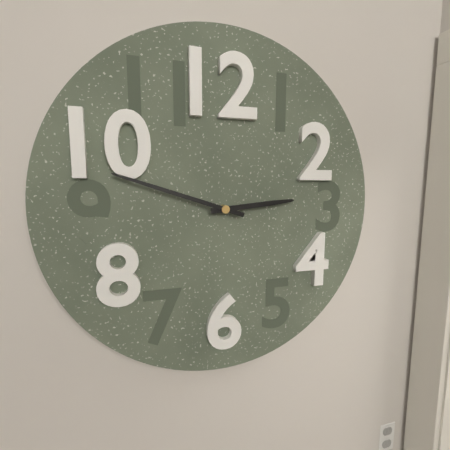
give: {"hour": 2, "minute": 48}
